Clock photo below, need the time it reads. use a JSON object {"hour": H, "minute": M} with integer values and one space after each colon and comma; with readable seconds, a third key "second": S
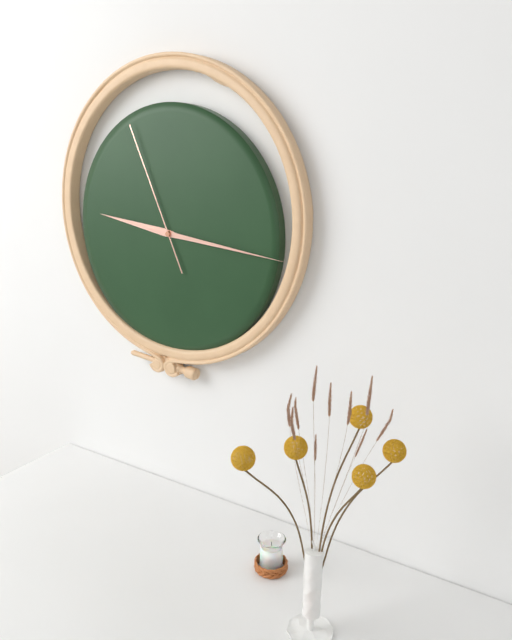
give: {"hour": 9, "minute": 16, "second": 56}
